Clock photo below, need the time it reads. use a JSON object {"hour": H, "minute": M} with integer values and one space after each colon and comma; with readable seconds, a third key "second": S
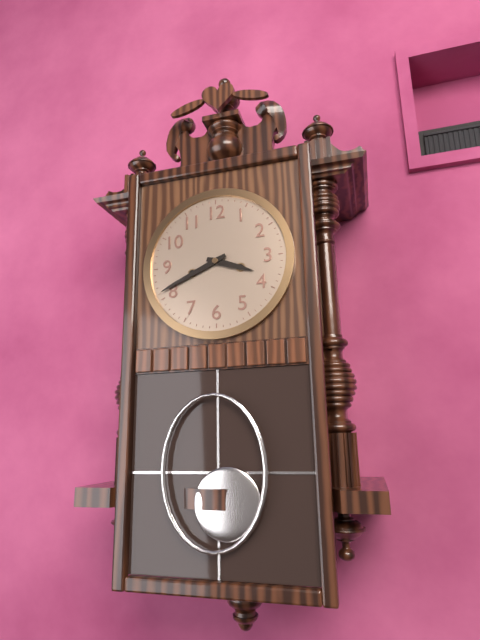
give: {"hour": 3, "minute": 41}
